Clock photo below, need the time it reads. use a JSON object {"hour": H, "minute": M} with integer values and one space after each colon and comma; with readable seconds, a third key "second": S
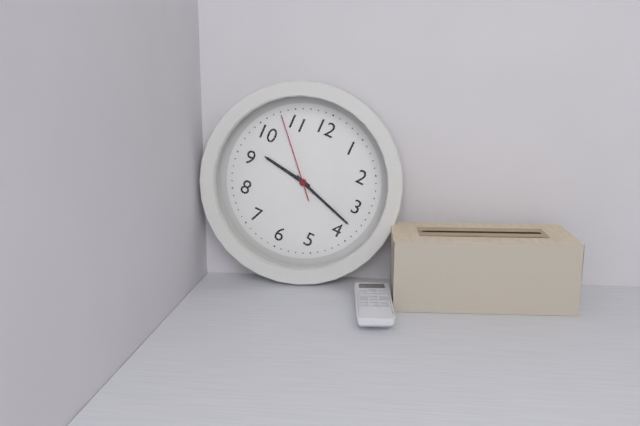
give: {"hour": 9, "minute": 18, "second": 53}
